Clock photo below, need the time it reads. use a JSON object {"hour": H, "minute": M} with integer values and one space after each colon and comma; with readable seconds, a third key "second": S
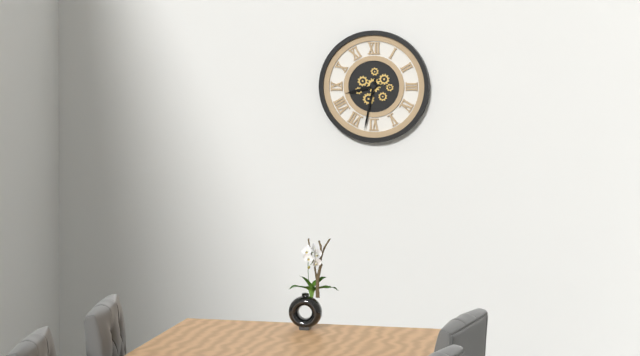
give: {"hour": 8, "minute": 32}
